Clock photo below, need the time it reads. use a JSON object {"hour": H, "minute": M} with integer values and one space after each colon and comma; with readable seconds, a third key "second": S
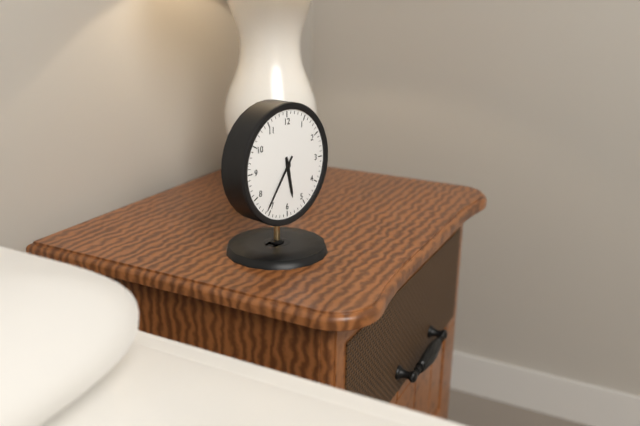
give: {"hour": 5, "minute": 36}
